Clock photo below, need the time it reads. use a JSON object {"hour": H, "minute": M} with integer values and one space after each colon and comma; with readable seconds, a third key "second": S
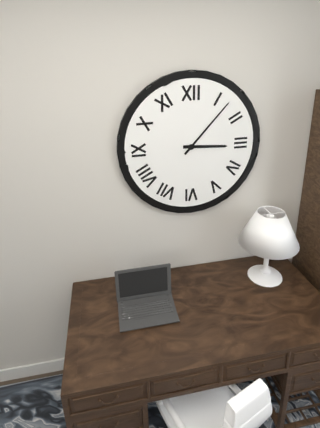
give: {"hour": 3, "minute": 7}
